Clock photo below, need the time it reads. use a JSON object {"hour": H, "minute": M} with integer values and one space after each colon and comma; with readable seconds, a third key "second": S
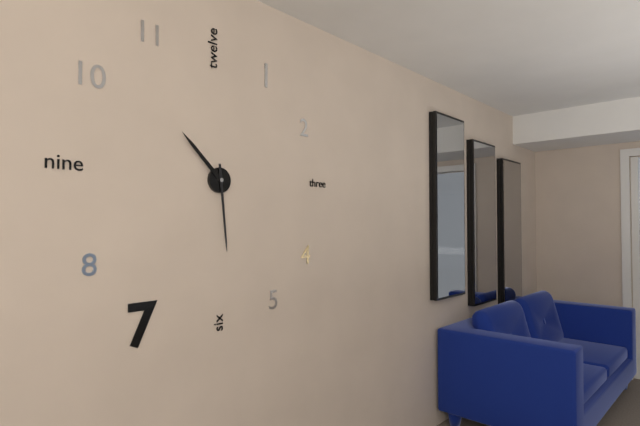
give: {"hour": 10, "minute": 29}
